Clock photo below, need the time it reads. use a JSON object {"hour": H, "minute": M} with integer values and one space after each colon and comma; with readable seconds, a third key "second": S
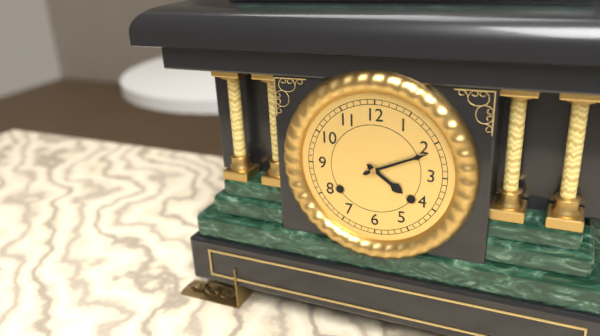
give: {"hour": 4, "minute": 11}
